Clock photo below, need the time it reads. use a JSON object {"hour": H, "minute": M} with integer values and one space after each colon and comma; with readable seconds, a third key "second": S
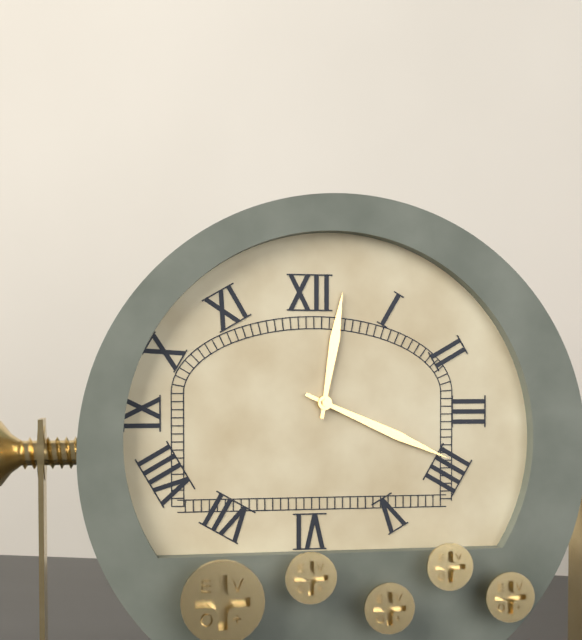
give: {"hour": 12, "minute": 19}
